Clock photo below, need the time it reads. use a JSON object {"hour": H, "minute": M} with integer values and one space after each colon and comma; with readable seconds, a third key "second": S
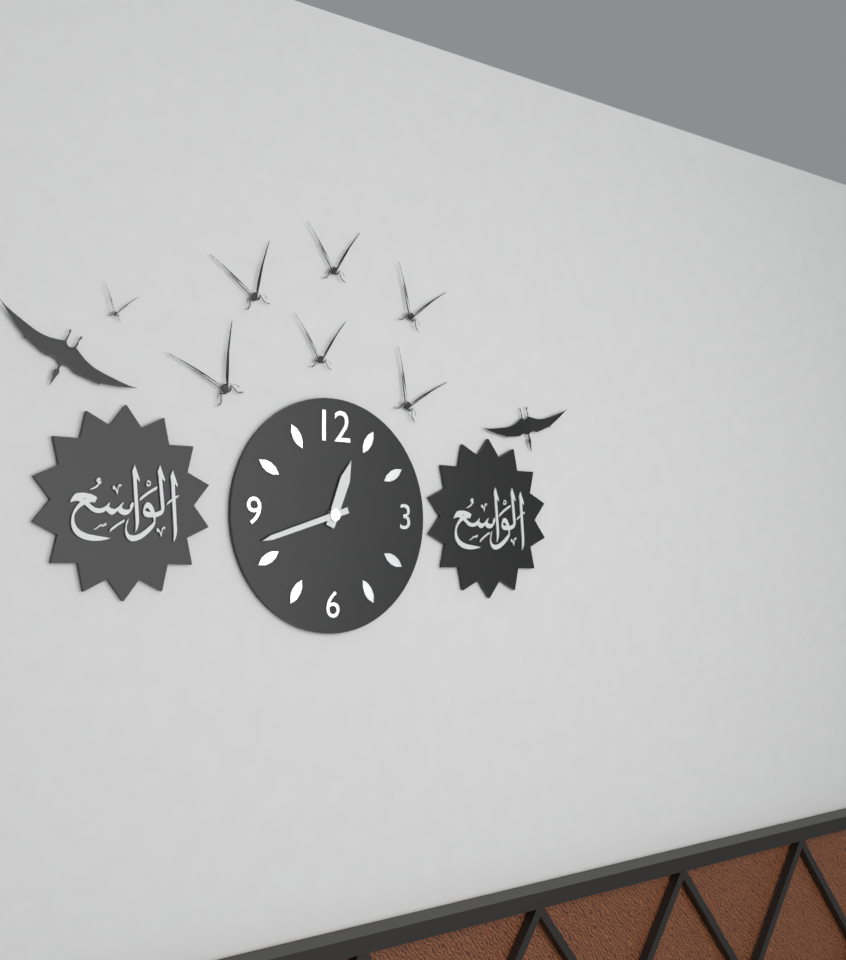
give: {"hour": 12, "minute": 42}
